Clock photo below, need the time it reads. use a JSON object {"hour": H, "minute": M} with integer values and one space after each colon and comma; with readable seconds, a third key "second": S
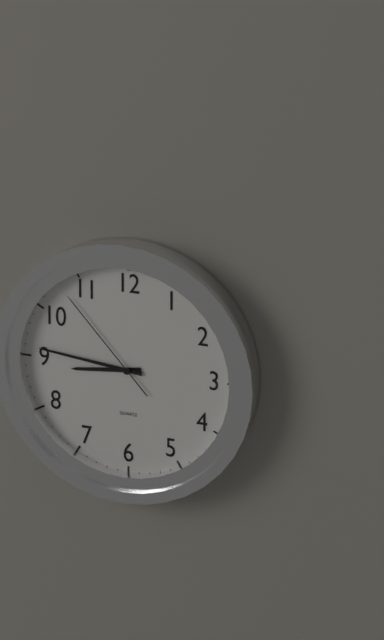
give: {"hour": 8, "minute": 46, "second": 53}
